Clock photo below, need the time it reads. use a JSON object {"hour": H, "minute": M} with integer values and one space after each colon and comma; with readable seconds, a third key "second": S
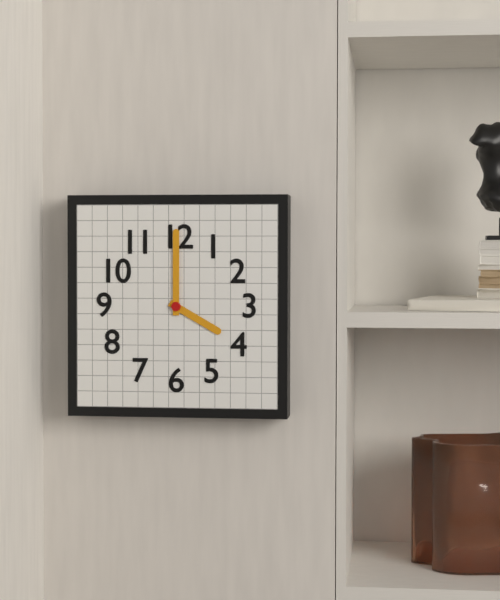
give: {"hour": 4, "minute": 0}
